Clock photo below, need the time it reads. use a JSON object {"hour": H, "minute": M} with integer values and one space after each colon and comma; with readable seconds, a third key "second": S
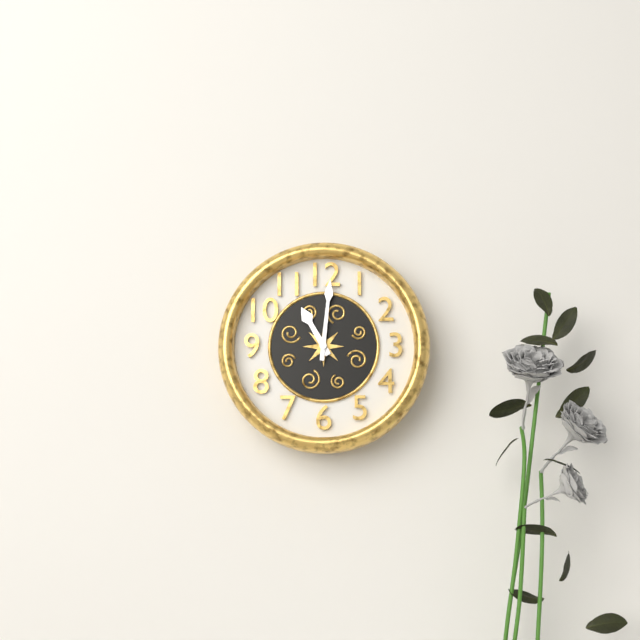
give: {"hour": 11, "minute": 1}
